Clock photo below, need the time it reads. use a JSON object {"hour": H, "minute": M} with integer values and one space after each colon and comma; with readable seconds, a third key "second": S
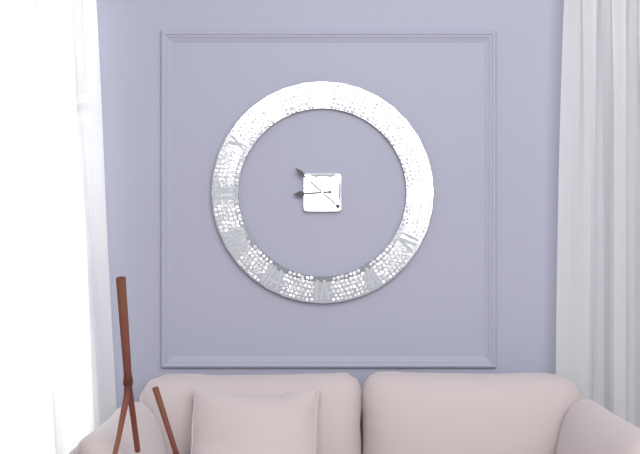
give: {"hour": 8, "minute": 52}
